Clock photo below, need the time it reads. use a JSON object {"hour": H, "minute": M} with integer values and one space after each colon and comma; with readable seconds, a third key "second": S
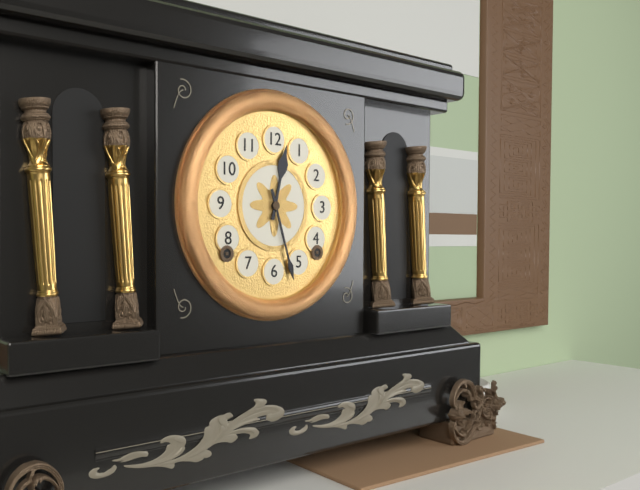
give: {"hour": 12, "minute": 27}
